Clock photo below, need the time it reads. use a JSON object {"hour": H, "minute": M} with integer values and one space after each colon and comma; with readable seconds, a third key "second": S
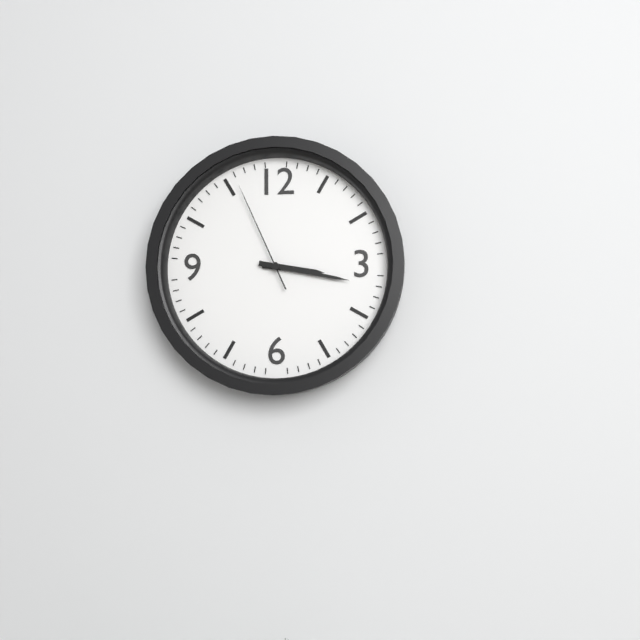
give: {"hour": 3, "minute": 17, "second": 56}
